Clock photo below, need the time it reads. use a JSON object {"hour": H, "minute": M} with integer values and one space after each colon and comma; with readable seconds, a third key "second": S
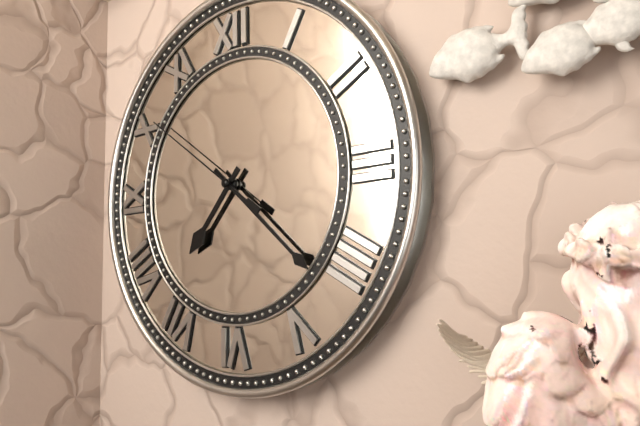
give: {"hour": 7, "minute": 22, "second": 51}
